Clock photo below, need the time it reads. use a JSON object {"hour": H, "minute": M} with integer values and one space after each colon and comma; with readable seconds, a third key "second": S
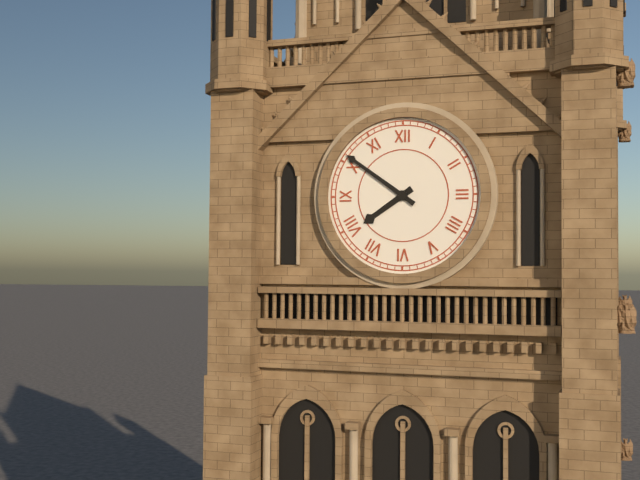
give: {"hour": 7, "minute": 51}
